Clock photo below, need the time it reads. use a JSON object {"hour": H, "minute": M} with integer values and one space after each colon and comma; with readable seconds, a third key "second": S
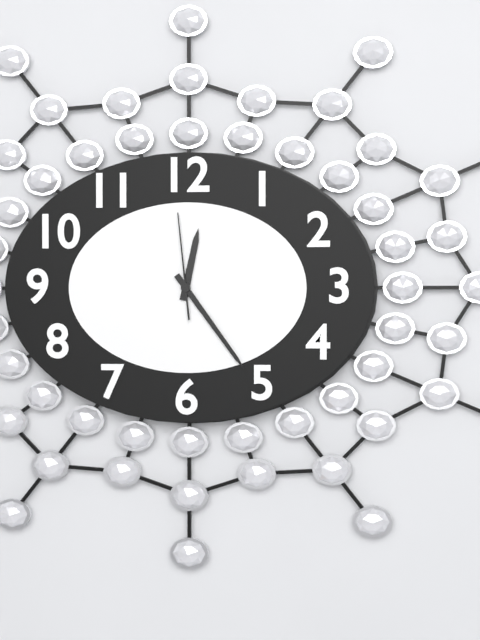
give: {"hour": 12, "minute": 24, "second": 59}
